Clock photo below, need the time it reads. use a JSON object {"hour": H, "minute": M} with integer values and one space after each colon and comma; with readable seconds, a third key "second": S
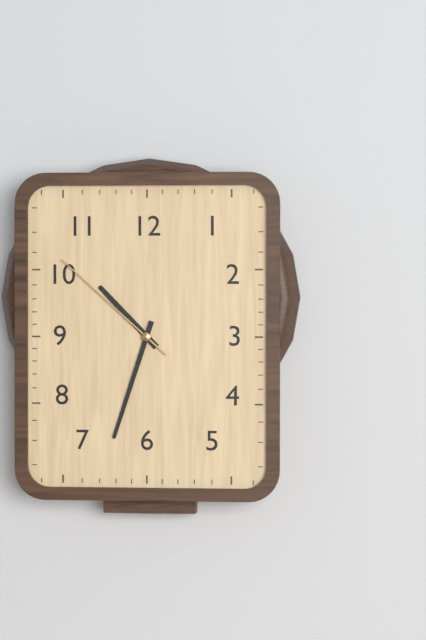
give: {"hour": 10, "minute": 33, "second": 52}
